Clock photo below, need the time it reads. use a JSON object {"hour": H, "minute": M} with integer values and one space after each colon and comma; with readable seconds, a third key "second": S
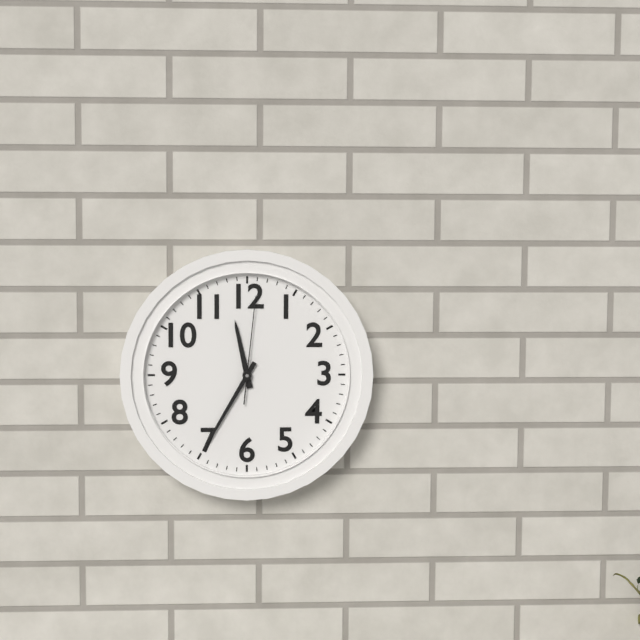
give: {"hour": 11, "minute": 35, "second": 1}
